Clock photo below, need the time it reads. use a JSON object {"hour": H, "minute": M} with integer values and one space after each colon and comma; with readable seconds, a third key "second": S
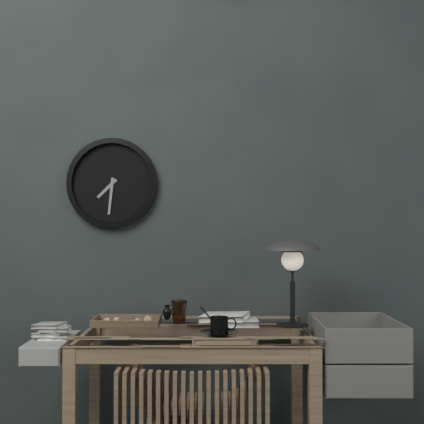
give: {"hour": 7, "minute": 31}
